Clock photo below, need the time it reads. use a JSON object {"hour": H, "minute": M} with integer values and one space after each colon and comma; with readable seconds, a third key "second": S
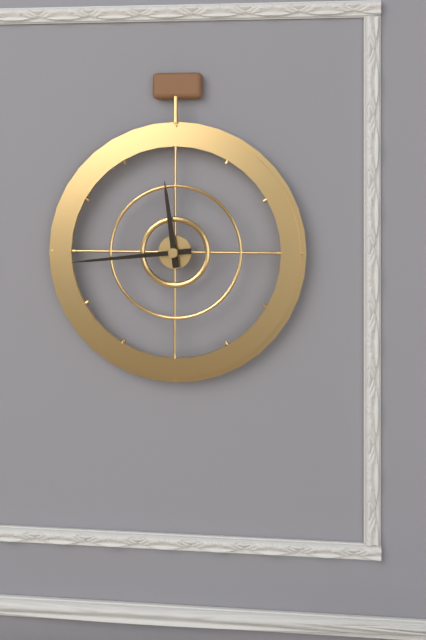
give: {"hour": 11, "minute": 44}
